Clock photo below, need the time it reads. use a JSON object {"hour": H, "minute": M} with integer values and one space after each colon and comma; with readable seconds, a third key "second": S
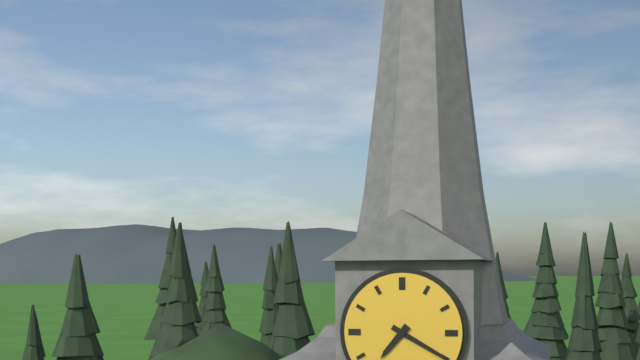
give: {"hour": 7, "minute": 20}
